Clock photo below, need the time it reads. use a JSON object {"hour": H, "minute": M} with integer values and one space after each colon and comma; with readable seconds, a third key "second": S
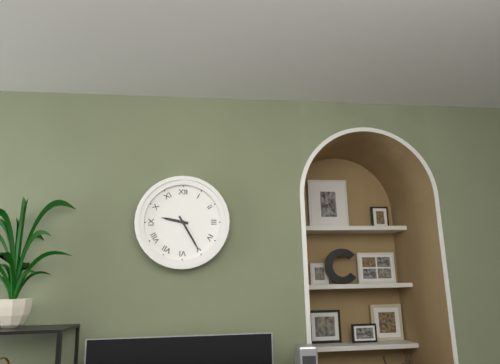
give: {"hour": 9, "minute": 25}
